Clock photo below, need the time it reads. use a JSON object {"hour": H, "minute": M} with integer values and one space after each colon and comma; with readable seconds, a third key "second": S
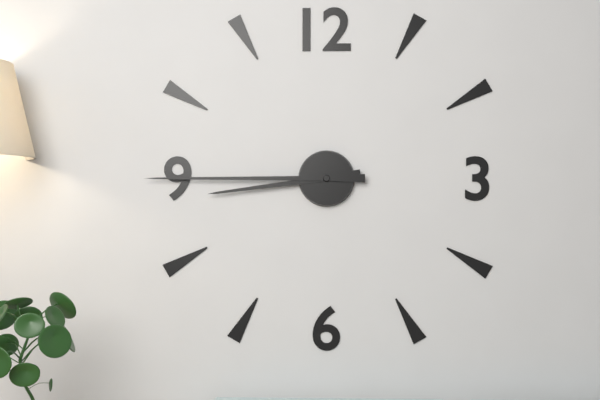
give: {"hour": 8, "minute": 45}
